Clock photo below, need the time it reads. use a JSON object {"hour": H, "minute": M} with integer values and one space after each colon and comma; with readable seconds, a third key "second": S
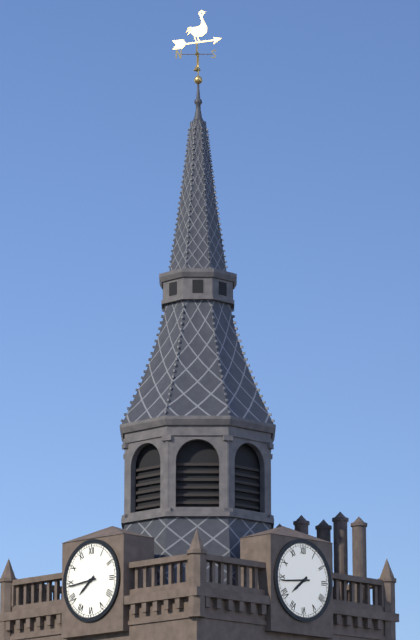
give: {"hour": 7, "minute": 44}
